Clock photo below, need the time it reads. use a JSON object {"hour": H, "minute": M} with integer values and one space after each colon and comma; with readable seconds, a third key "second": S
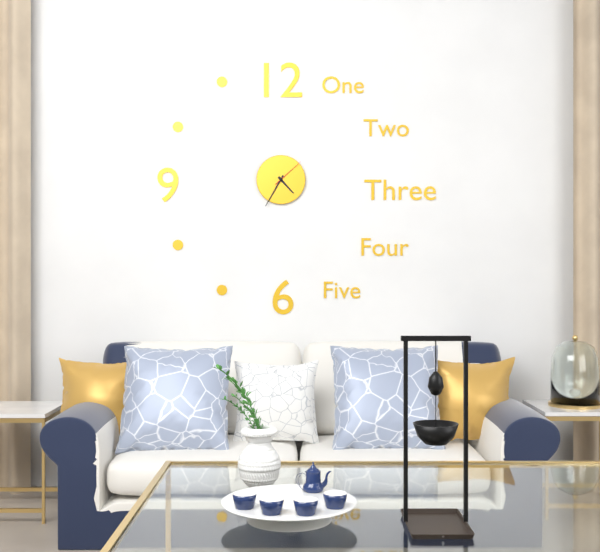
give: {"hour": 4, "minute": 35}
